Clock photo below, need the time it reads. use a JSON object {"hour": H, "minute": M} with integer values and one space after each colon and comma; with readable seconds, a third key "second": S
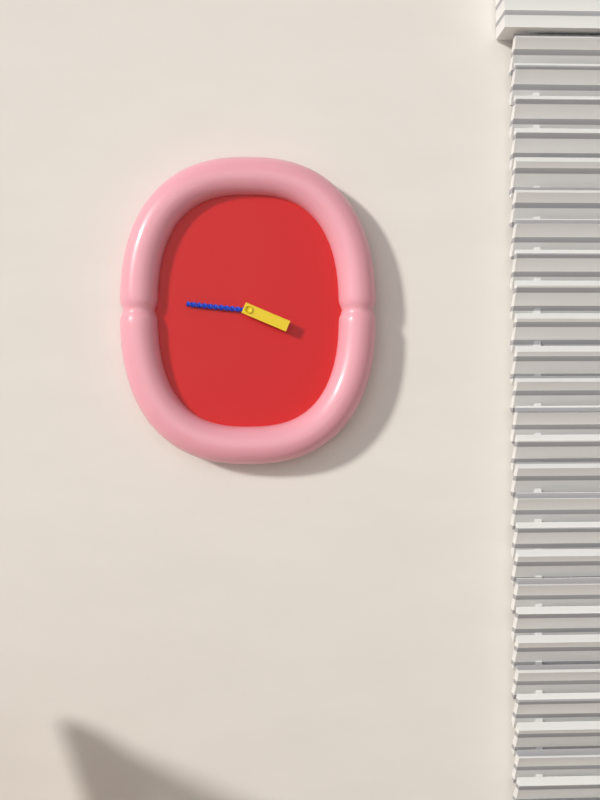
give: {"hour": 3, "minute": 46}
